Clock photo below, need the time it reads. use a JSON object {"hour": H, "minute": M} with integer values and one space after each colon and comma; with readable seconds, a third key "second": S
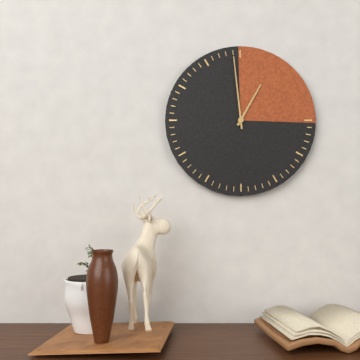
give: {"hour": 12, "minute": 59}
